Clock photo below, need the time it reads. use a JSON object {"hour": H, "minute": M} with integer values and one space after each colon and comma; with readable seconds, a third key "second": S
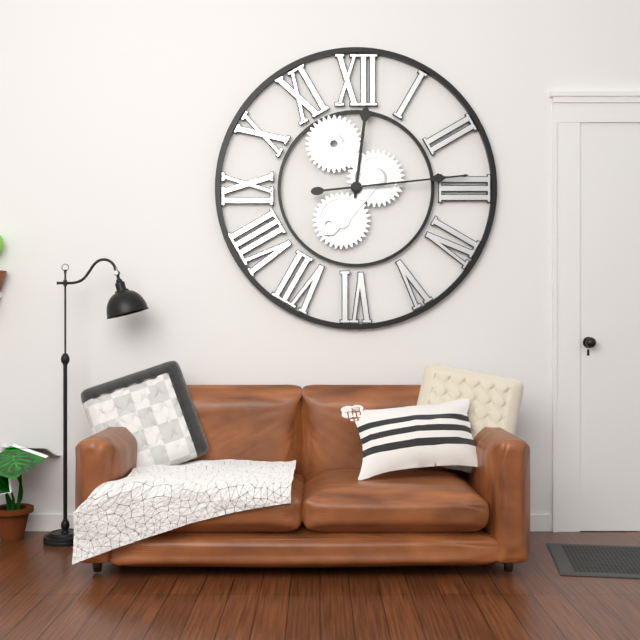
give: {"hour": 12, "minute": 14}
